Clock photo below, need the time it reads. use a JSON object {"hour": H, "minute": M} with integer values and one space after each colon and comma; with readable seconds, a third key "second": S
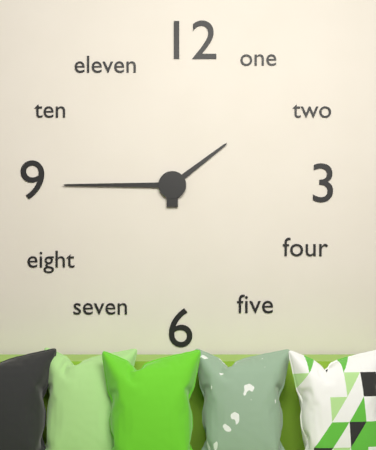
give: {"hour": 1, "minute": 45}
